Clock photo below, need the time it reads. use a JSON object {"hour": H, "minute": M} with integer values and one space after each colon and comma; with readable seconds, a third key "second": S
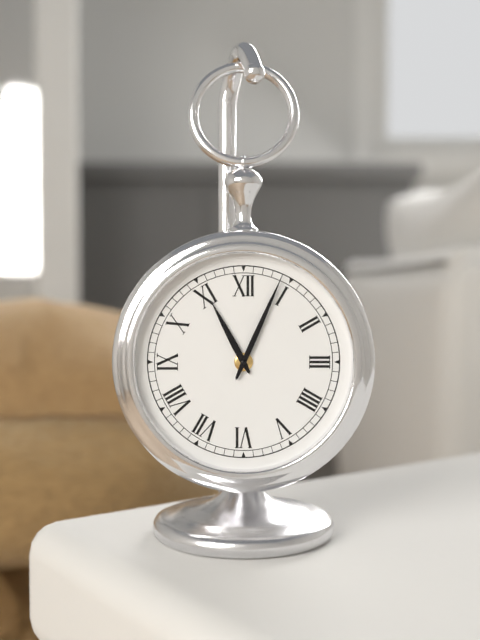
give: {"hour": 11, "minute": 4}
